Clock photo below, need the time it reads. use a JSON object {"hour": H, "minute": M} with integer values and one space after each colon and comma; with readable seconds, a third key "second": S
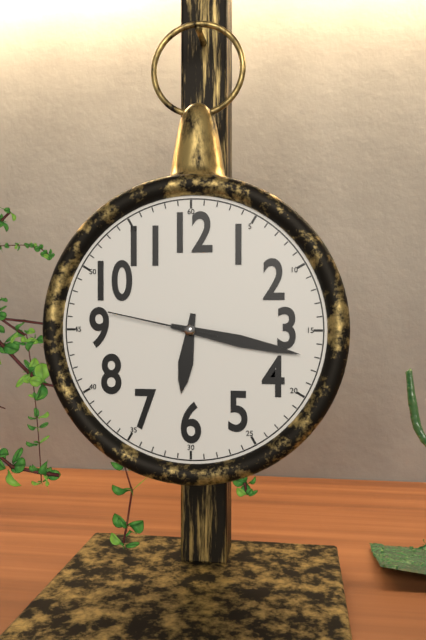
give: {"hour": 6, "minute": 17, "second": 47}
